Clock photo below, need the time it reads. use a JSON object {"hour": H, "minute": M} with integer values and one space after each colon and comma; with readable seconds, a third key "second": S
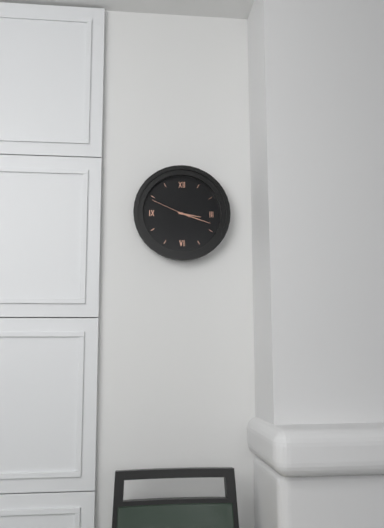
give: {"hour": 3, "minute": 18}
